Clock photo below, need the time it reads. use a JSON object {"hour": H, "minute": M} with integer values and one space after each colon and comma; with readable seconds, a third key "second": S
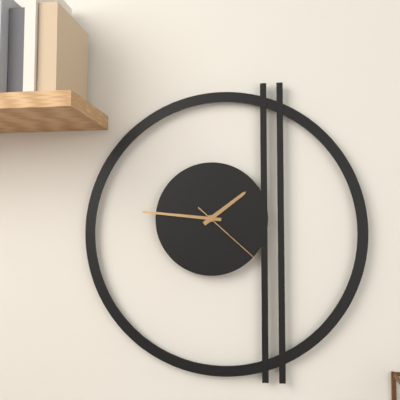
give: {"hour": 1, "minute": 46, "second": 22}
